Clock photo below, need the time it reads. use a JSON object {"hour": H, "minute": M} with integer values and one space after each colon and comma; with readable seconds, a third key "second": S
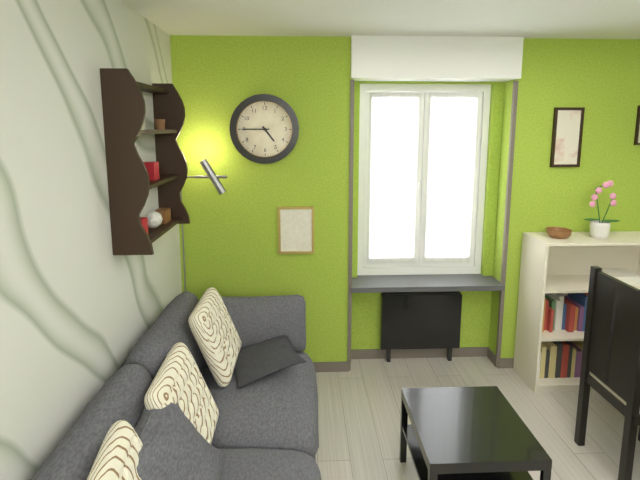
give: {"hour": 4, "minute": 45}
